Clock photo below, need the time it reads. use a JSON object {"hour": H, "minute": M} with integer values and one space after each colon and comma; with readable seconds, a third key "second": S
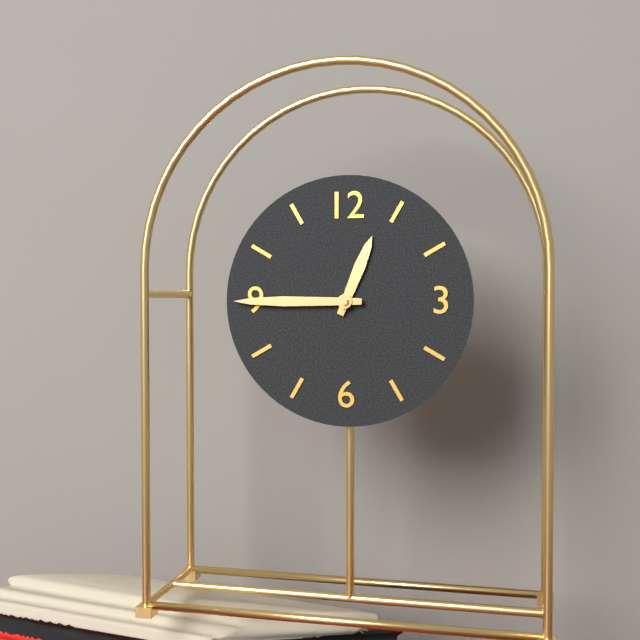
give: {"hour": 12, "minute": 45}
